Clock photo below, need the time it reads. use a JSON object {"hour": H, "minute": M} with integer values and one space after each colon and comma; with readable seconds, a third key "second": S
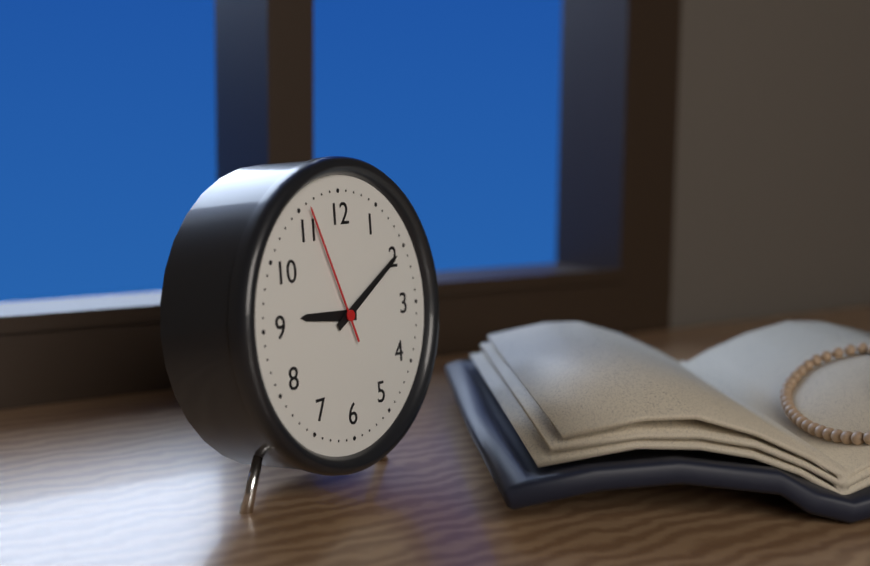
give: {"hour": 9, "minute": 10, "second": 56}
